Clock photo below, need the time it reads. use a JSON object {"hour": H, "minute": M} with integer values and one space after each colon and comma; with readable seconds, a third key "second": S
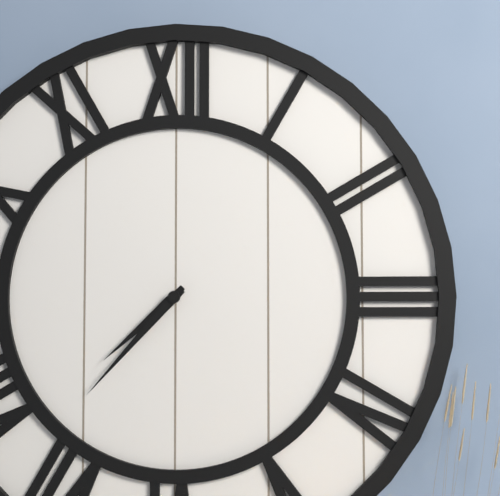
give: {"hour": 7, "minute": 37}
